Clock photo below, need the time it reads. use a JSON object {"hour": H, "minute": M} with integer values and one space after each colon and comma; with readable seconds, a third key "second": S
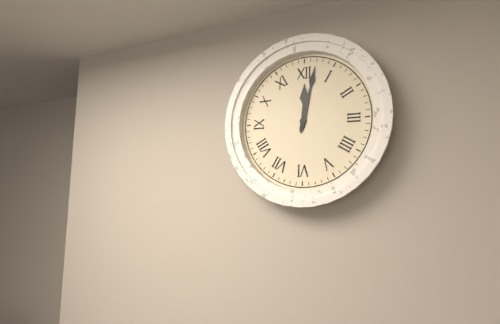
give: {"hour": 12, "minute": 2}
